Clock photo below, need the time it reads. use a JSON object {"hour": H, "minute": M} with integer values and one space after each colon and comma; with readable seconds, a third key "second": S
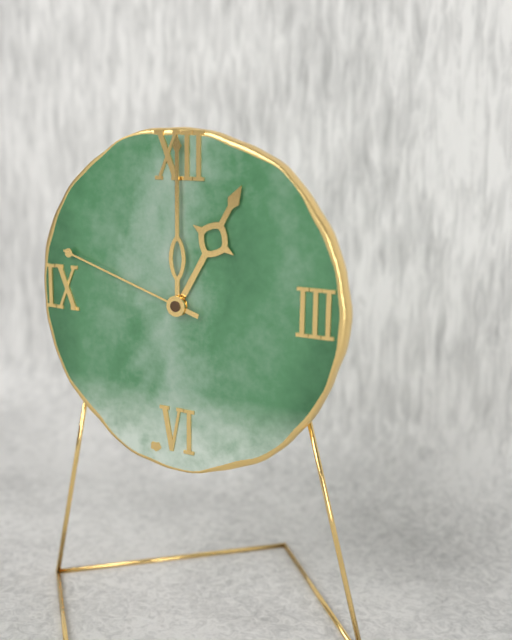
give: {"hour": 1, "minute": 0, "second": 48}
